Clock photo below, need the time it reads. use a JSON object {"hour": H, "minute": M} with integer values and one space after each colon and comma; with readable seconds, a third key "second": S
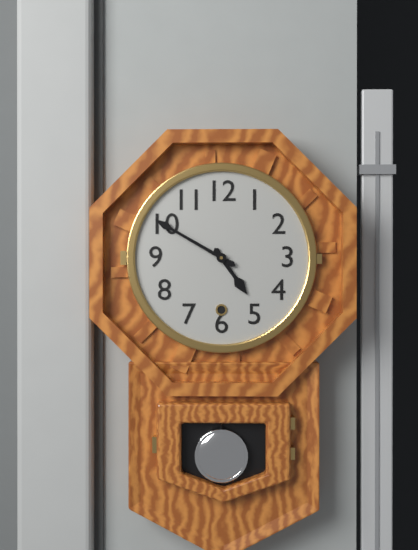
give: {"hour": 4, "minute": 50}
